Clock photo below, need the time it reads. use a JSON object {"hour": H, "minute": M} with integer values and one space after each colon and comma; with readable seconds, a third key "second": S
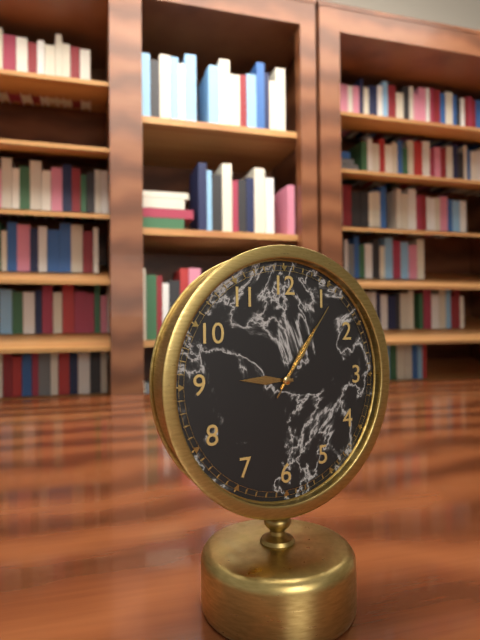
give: {"hour": 9, "minute": 6, "second": 6}
